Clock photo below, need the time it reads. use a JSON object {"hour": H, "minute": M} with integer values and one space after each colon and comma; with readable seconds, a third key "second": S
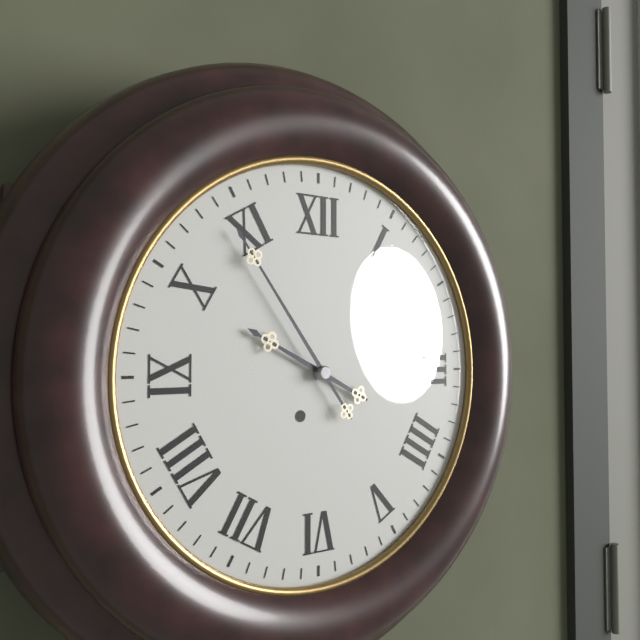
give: {"hour": 9, "minute": 54}
